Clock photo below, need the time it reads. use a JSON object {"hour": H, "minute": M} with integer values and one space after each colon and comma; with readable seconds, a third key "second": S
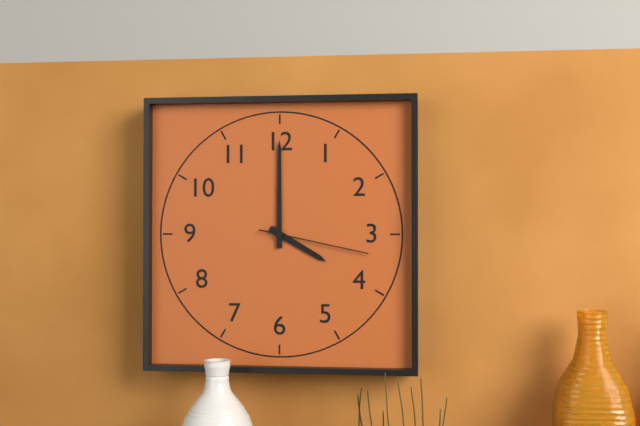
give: {"hour": 4, "minute": 0, "second": 17}
